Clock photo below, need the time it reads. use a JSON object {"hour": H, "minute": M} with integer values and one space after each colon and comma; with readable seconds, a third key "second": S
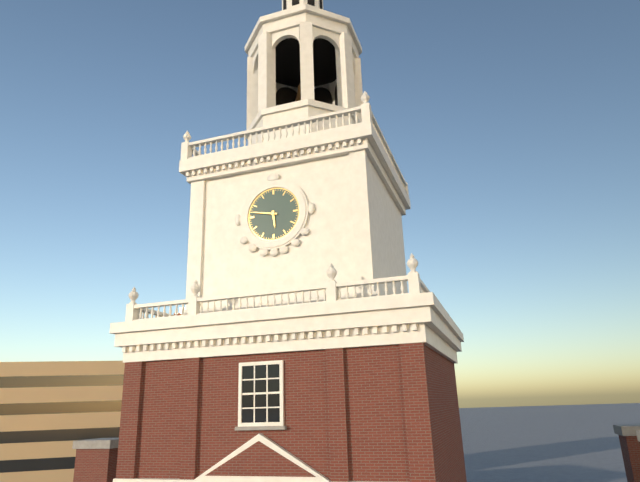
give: {"hour": 5, "minute": 47}
